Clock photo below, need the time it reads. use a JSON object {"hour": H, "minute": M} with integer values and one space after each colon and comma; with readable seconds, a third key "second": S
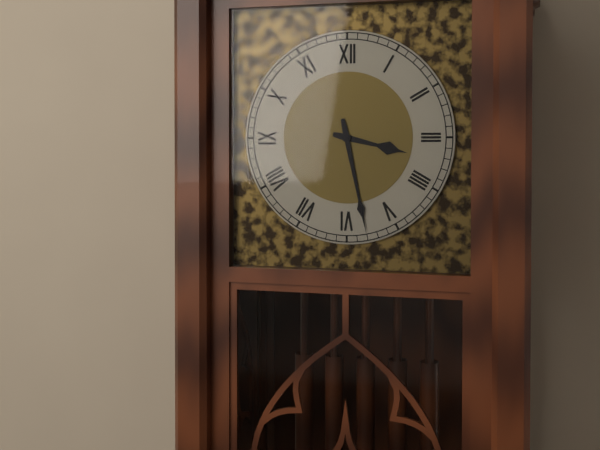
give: {"hour": 3, "minute": 28}
